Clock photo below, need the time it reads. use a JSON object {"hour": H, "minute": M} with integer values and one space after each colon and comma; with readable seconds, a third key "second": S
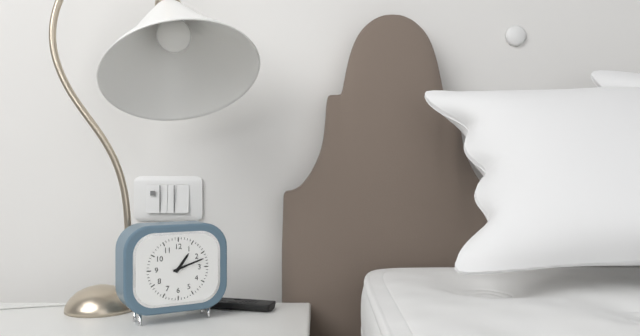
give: {"hour": 1, "minute": 12}
